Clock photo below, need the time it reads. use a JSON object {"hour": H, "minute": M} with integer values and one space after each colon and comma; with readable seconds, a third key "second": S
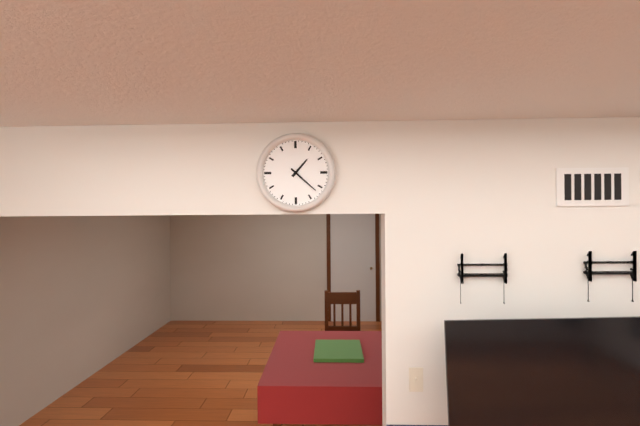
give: {"hour": 1, "minute": 22}
